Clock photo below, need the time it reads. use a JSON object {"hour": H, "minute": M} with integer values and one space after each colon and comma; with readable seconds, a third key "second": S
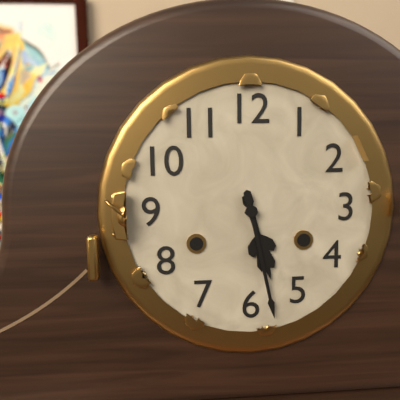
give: {"hour": 5, "minute": 28}
